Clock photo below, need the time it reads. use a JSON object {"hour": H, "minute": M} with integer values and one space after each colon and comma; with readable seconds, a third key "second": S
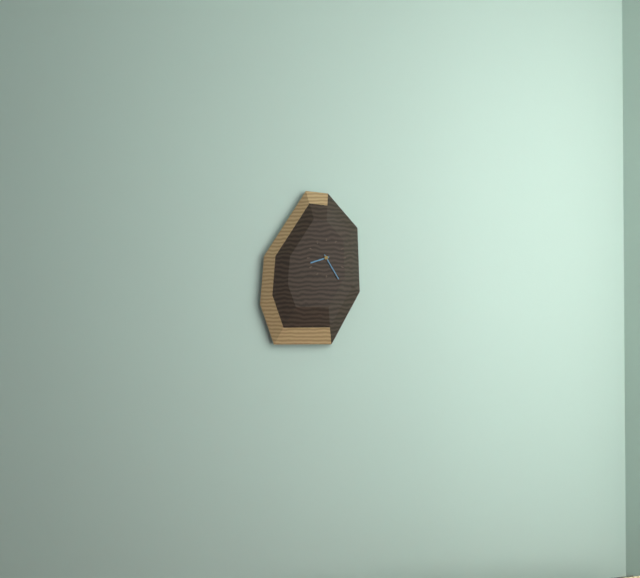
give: {"hour": 8, "minute": 25}
